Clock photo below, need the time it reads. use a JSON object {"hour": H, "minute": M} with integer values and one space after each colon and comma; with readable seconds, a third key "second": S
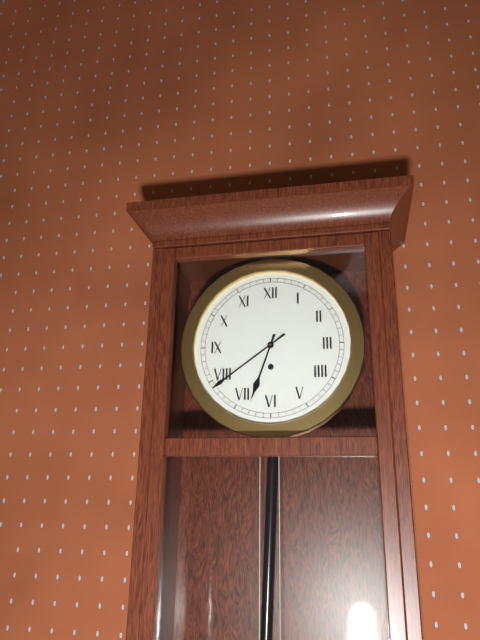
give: {"hour": 6, "minute": 39}
